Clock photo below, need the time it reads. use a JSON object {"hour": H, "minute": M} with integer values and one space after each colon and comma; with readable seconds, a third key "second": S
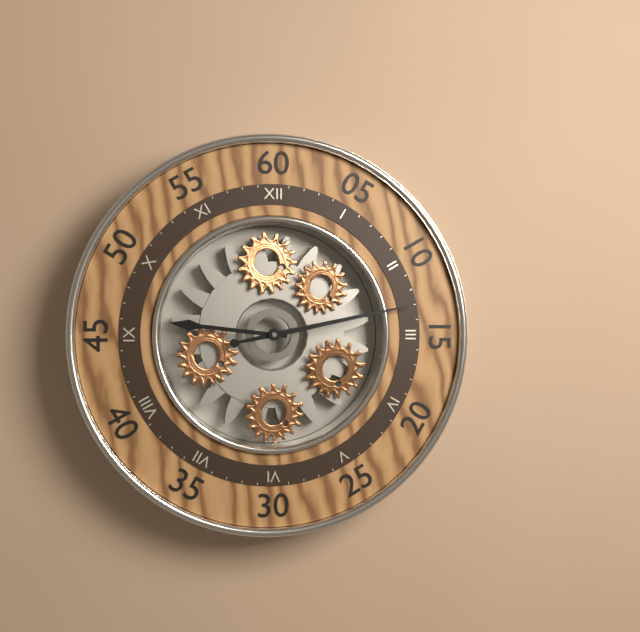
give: {"hour": 9, "minute": 13}
